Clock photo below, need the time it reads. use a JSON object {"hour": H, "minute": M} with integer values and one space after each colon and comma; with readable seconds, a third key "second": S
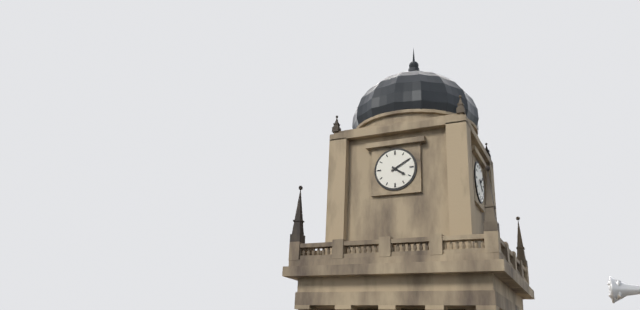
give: {"hour": 4, "minute": 10}
